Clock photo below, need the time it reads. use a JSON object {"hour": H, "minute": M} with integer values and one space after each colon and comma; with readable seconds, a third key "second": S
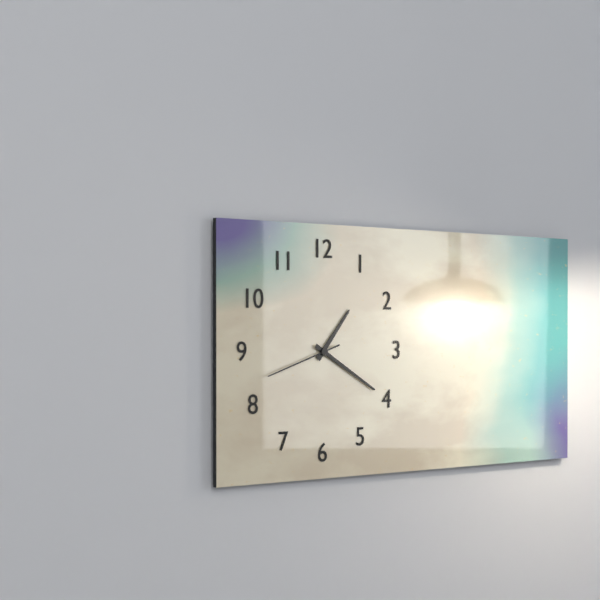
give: {"hour": 1, "minute": 20, "second": 42}
